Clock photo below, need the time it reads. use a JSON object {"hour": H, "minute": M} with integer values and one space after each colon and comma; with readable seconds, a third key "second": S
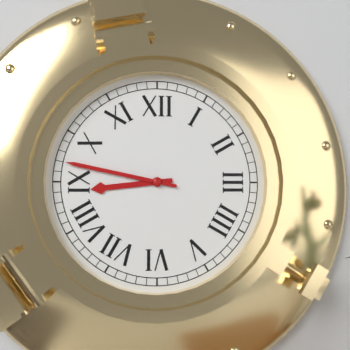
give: {"hour": 8, "minute": 47}
